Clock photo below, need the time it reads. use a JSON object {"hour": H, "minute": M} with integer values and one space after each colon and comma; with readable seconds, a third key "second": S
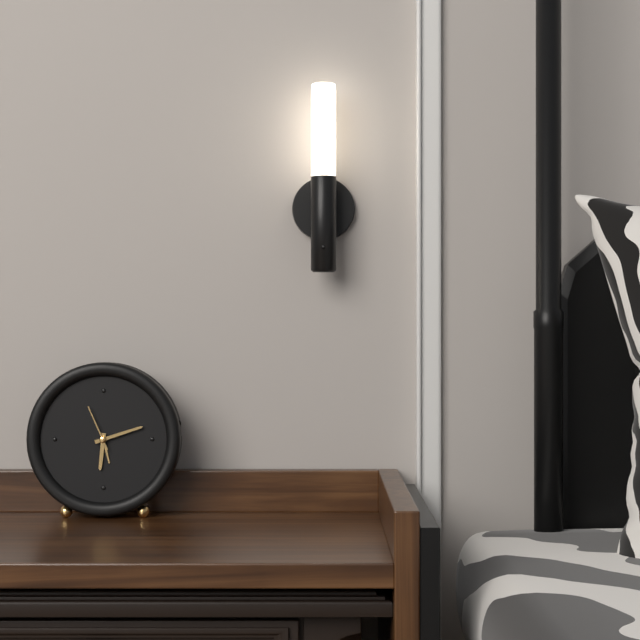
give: {"hour": 6, "minute": 12}
